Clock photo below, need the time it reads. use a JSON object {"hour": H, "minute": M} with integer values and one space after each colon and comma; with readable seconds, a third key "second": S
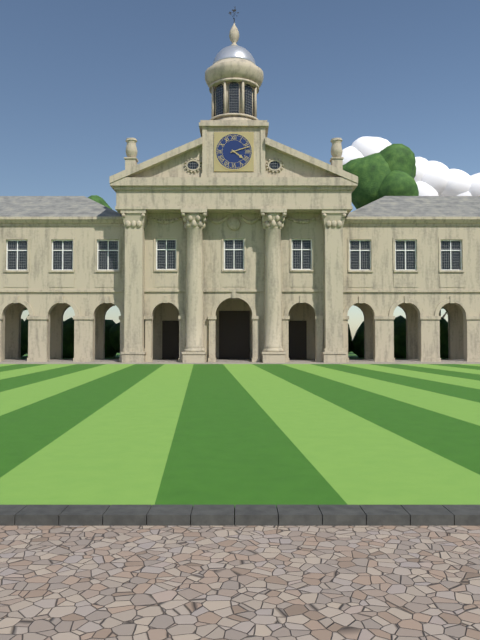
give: {"hour": 4, "minute": 12}
